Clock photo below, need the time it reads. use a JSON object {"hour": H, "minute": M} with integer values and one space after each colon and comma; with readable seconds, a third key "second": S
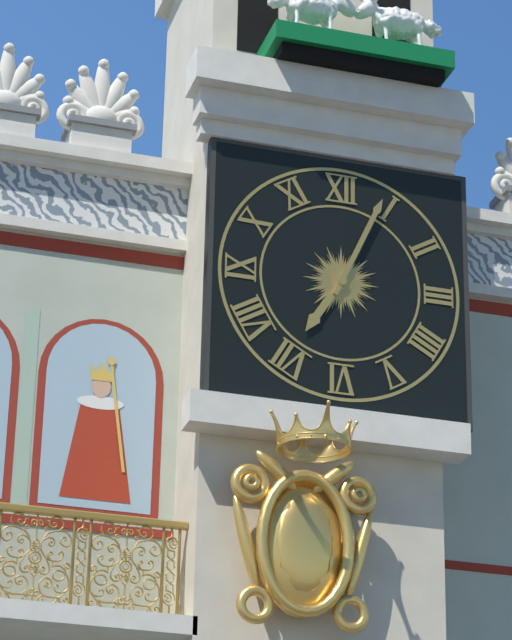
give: {"hour": 7, "minute": 4}
